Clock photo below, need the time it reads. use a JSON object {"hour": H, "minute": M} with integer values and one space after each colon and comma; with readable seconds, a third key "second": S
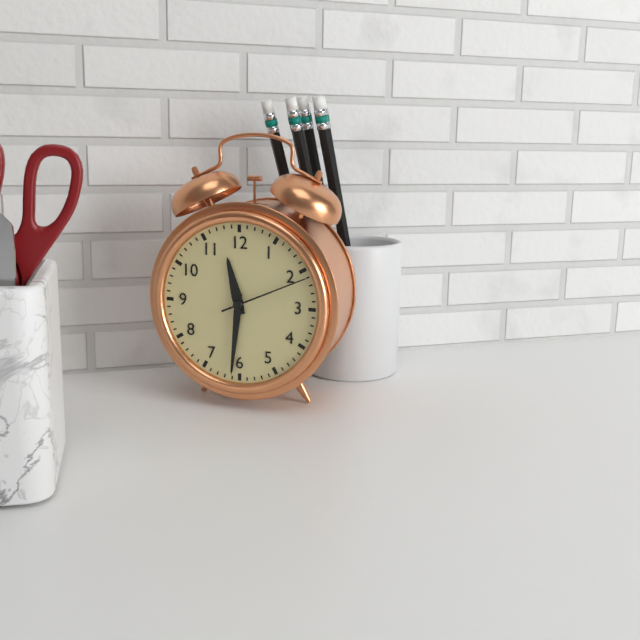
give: {"hour": 11, "minute": 31, "second": 11}
